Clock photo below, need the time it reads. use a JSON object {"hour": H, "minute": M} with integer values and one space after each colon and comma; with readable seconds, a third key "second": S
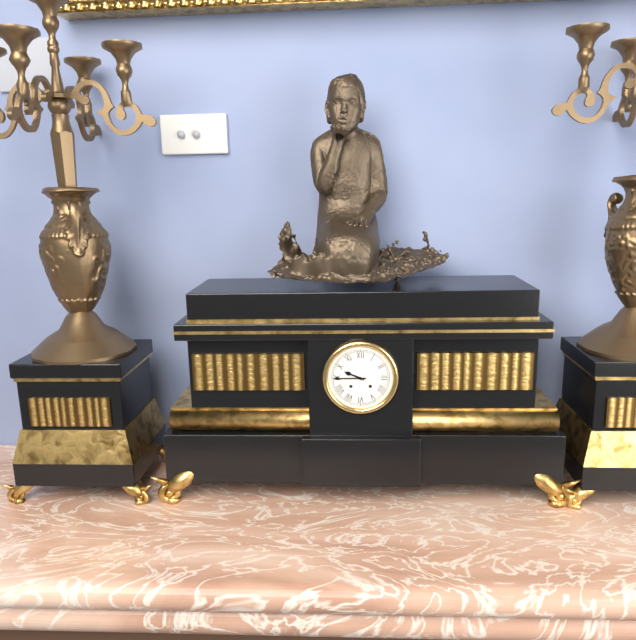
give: {"hour": 9, "minute": 45}
